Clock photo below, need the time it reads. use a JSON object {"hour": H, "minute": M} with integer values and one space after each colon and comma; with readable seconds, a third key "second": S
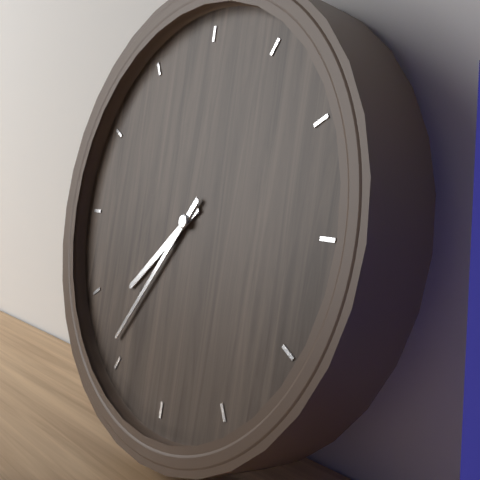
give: {"hour": 7, "minute": 36}
